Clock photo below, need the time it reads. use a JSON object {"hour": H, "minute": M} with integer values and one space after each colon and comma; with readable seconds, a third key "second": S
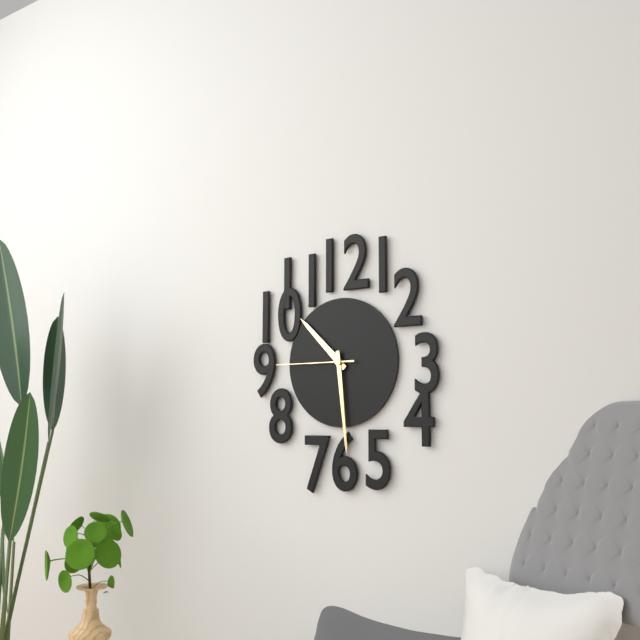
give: {"hour": 10, "minute": 29, "second": 45}
